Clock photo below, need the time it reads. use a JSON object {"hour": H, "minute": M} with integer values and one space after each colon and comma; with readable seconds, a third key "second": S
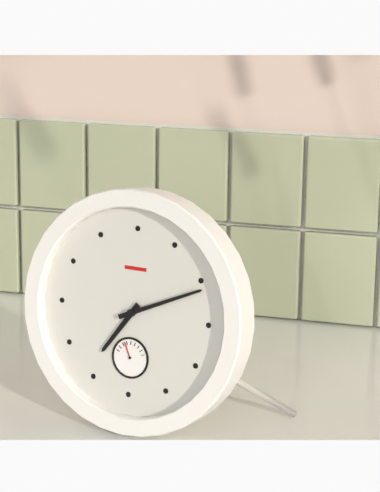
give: {"hour": 7, "minute": 11}
